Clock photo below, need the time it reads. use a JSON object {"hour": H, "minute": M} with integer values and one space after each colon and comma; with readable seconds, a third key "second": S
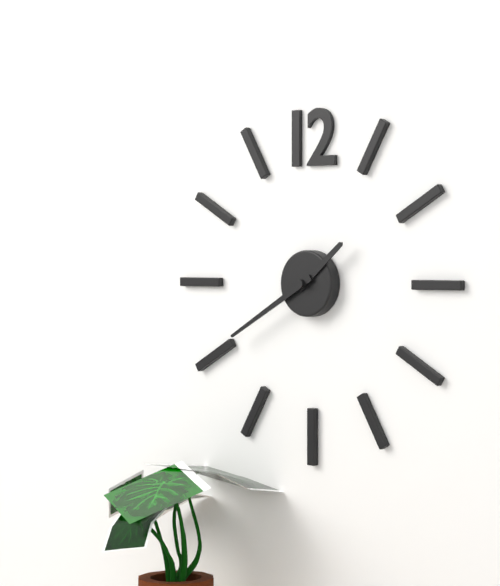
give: {"hour": 1, "minute": 40}
